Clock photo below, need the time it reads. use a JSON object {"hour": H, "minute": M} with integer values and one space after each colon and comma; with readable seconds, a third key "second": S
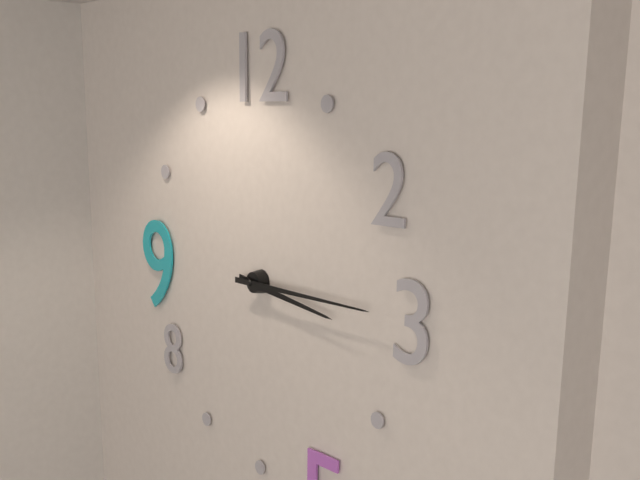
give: {"hour": 3, "minute": 15}
